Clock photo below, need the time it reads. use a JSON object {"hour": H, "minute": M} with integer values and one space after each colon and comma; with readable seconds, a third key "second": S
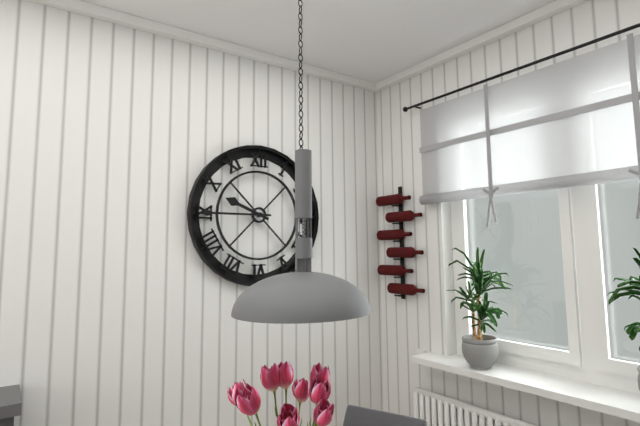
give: {"hour": 9, "minute": 45}
